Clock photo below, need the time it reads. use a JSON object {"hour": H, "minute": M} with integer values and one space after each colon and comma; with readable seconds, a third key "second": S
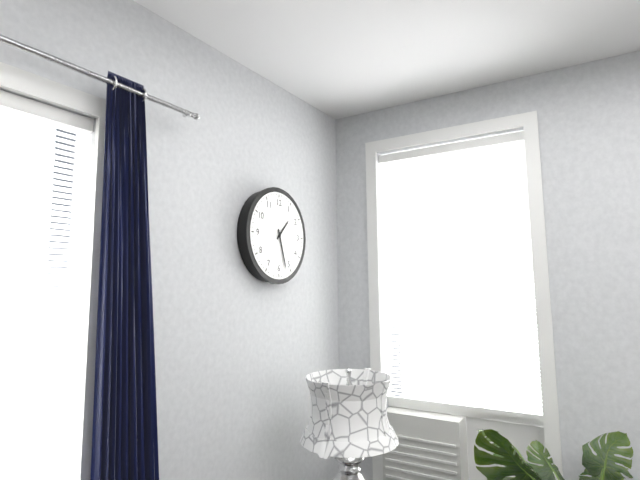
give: {"hour": 1, "minute": 27}
